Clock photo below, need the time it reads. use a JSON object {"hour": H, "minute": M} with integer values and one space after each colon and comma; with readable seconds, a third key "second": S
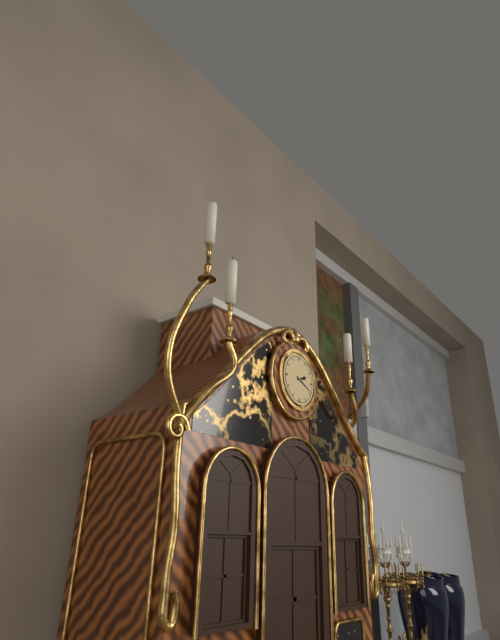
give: {"hour": 2, "minute": 19}
